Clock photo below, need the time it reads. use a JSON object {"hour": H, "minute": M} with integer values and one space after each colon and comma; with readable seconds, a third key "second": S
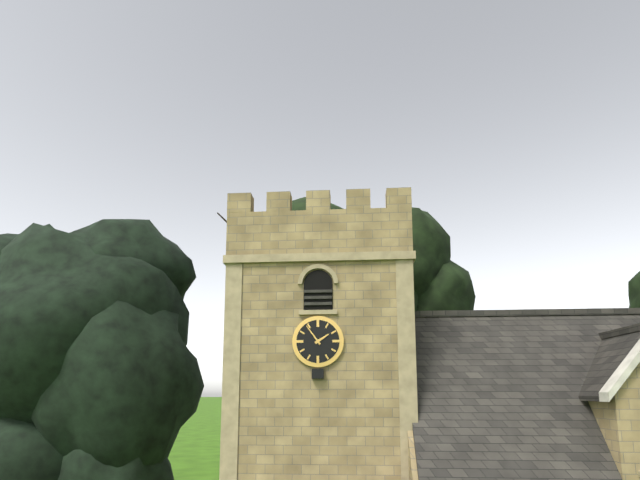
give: {"hour": 1, "minute": 54}
